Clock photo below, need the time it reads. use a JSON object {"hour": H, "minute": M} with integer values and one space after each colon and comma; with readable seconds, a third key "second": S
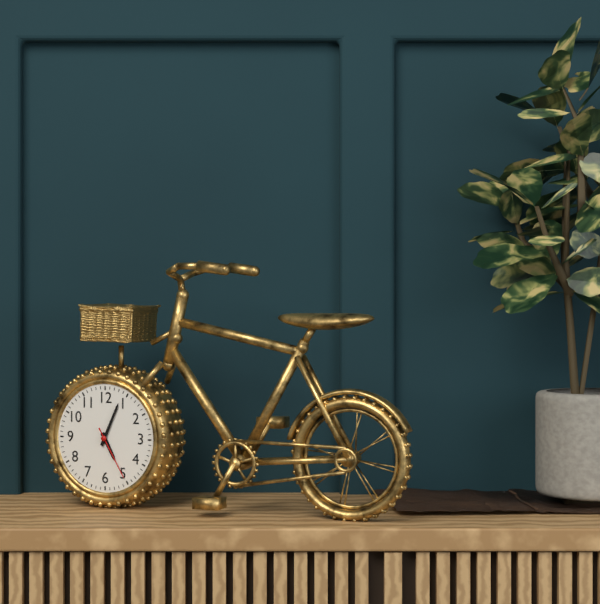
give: {"hour": 5, "minute": 4, "second": 25}
